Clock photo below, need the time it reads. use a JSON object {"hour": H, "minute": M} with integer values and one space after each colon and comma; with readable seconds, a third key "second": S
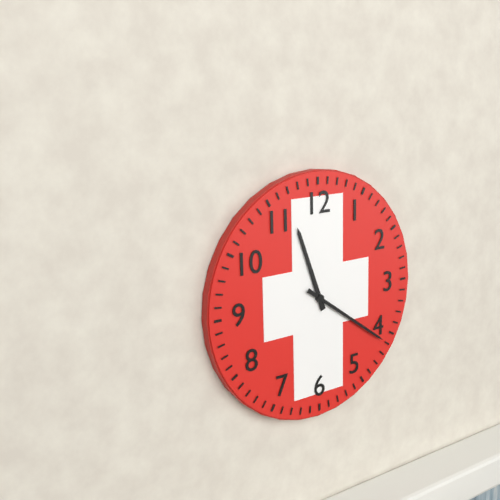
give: {"hour": 11, "minute": 21}
